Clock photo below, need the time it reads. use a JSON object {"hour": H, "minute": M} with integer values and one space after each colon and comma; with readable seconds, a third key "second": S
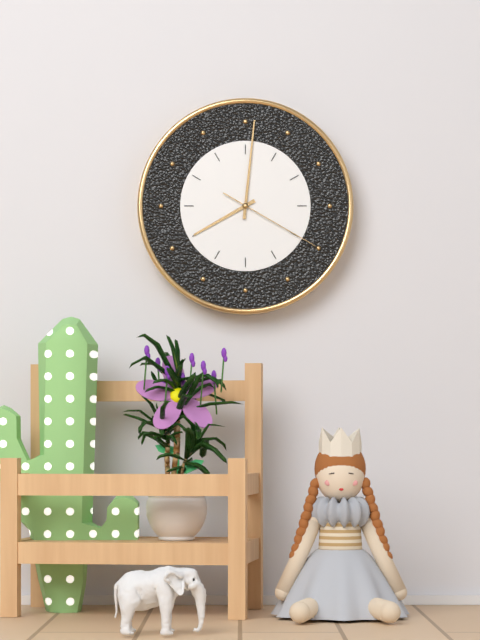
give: {"hour": 8, "minute": 1, "second": 20}
